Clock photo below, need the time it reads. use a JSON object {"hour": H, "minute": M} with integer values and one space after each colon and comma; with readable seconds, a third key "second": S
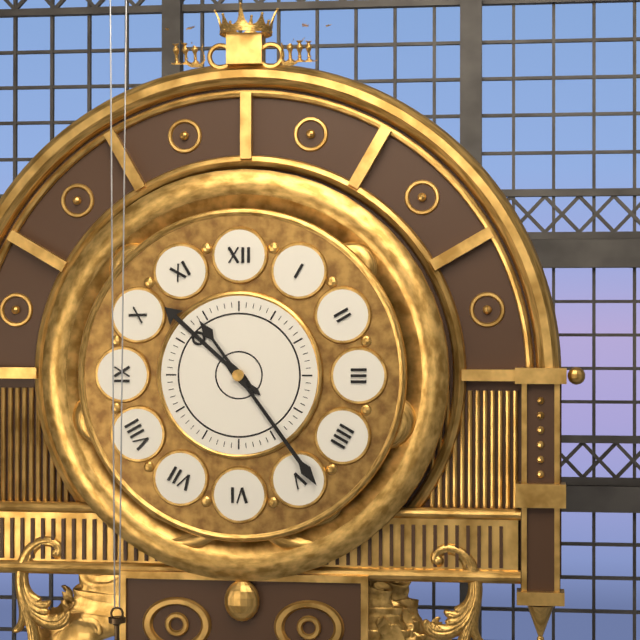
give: {"hour": 10, "minute": 24}
